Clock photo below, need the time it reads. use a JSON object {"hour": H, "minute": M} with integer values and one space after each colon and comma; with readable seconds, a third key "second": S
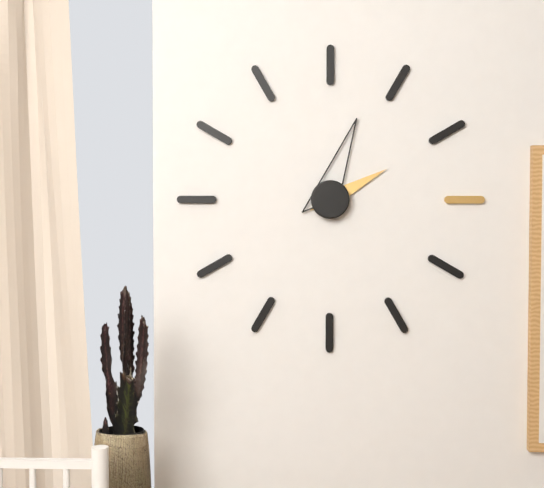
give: {"hour": 2, "minute": 3}
